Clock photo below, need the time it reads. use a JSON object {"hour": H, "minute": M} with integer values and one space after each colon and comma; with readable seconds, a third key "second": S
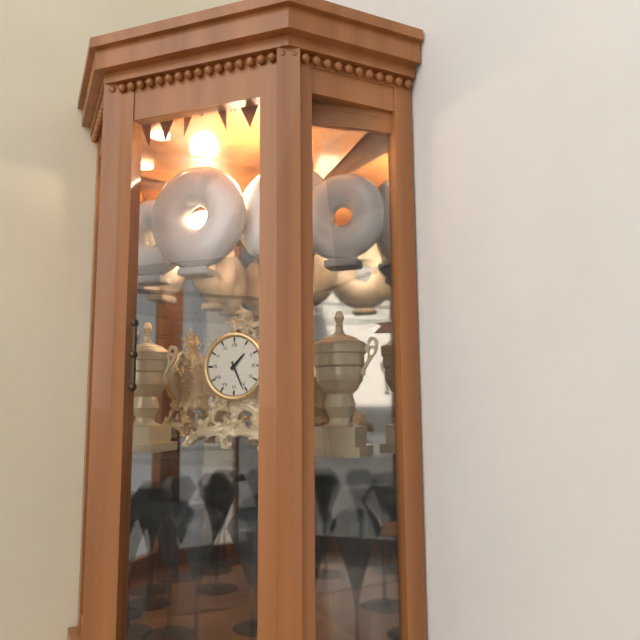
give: {"hour": 1, "minute": 26}
